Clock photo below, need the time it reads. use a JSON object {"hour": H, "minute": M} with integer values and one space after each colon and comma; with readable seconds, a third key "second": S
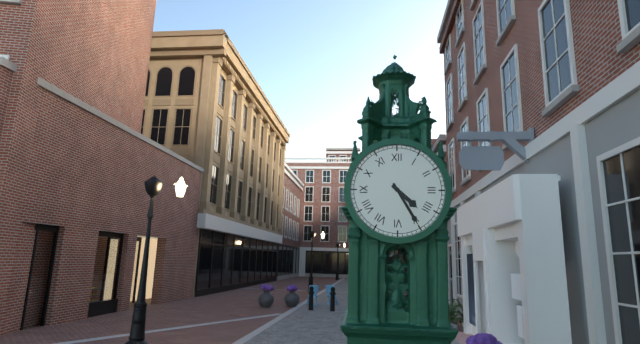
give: {"hour": 4, "minute": 25}
